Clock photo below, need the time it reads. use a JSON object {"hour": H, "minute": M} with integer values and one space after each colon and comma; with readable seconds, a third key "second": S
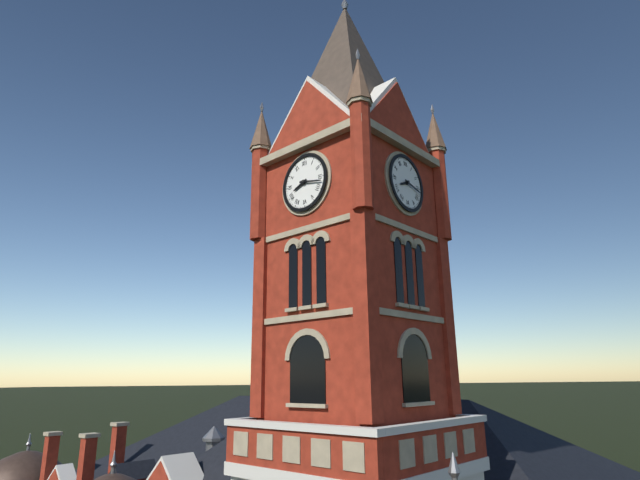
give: {"hour": 8, "minute": 17}
